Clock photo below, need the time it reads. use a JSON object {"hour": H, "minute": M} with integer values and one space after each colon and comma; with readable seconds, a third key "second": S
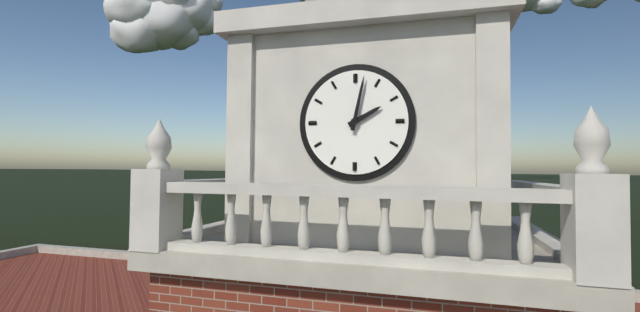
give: {"hour": 2, "minute": 2}
